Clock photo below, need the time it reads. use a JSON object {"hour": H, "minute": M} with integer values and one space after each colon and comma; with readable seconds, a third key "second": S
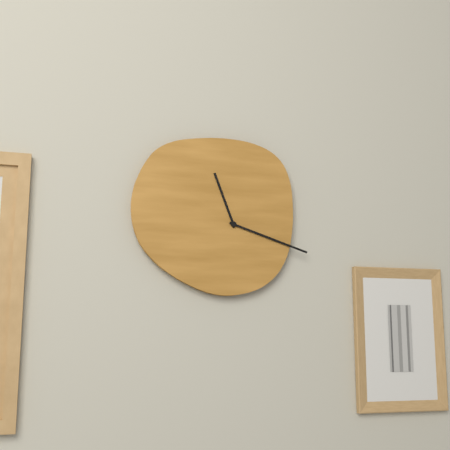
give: {"hour": 11, "minute": 18}
